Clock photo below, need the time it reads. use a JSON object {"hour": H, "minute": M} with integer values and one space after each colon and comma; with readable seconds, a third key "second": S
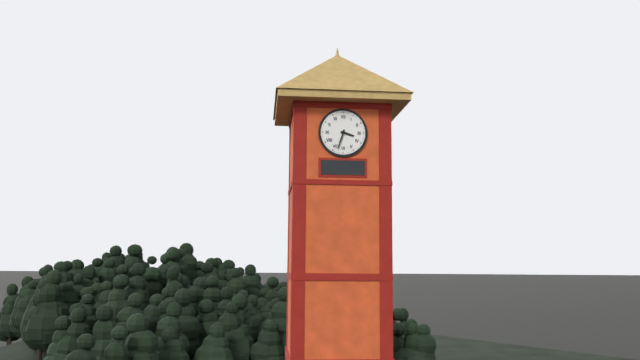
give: {"hour": 3, "minute": 33}
